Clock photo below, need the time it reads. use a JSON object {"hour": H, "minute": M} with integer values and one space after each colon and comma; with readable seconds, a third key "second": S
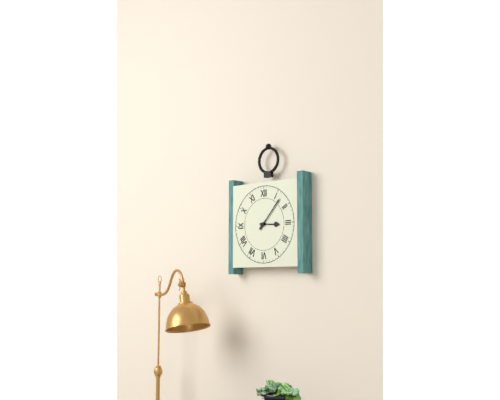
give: {"hour": 3, "minute": 7}
